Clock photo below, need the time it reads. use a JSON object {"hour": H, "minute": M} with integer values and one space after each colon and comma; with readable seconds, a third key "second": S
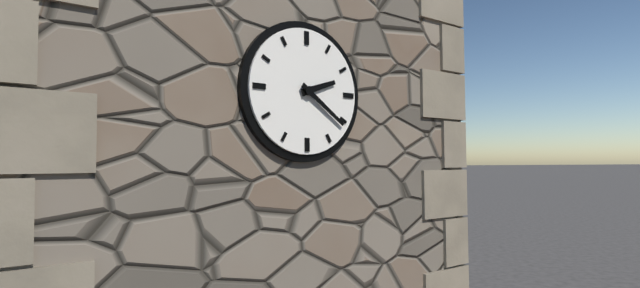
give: {"hour": 2, "minute": 21}
